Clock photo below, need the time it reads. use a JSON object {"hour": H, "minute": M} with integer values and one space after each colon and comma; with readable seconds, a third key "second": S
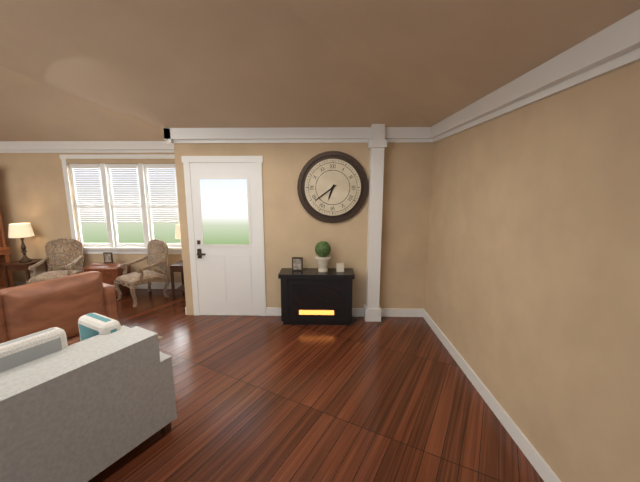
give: {"hour": 6, "minute": 39}
